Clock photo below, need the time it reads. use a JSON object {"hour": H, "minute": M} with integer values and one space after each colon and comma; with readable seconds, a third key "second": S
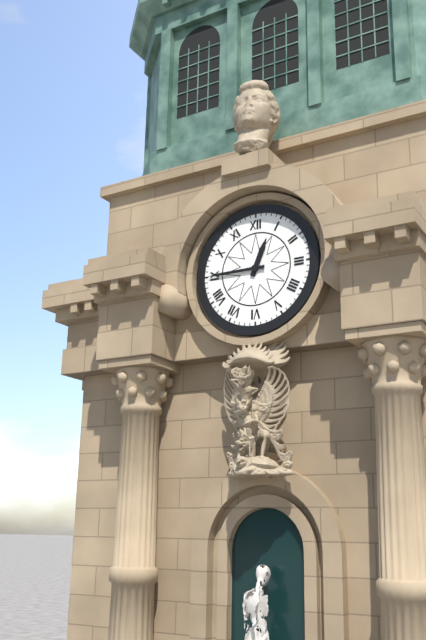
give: {"hour": 12, "minute": 45}
